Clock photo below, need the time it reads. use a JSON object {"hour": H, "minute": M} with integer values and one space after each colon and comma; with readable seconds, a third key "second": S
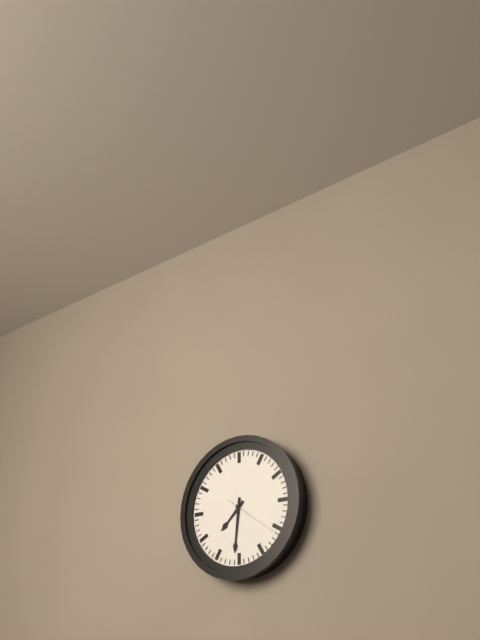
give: {"hour": 7, "minute": 31, "second": 21}
